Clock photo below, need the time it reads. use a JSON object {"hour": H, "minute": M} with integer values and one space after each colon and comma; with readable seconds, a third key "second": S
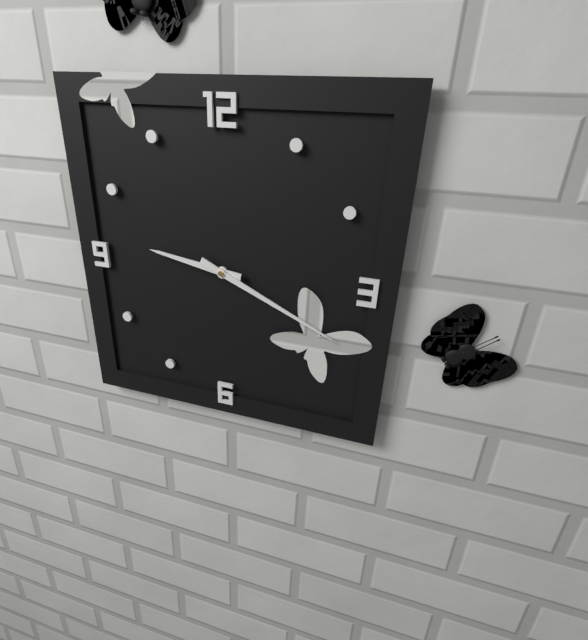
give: {"hour": 9, "minute": 19}
